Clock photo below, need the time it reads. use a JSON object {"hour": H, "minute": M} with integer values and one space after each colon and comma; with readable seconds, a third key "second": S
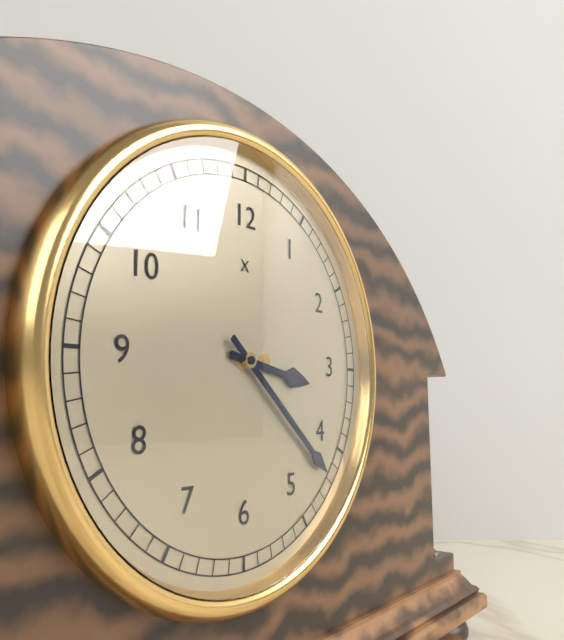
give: {"hour": 3, "minute": 22}
